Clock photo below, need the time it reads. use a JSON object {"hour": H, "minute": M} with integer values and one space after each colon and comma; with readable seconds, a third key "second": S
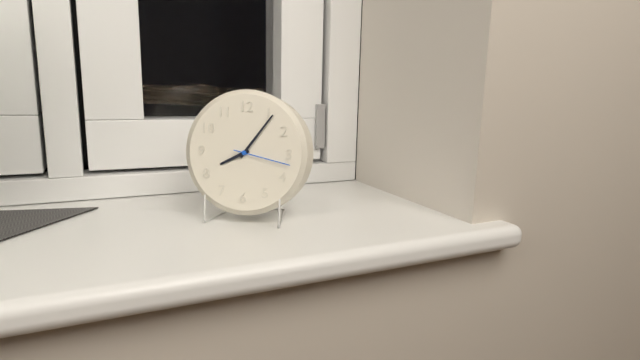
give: {"hour": 8, "minute": 6, "second": 17}
